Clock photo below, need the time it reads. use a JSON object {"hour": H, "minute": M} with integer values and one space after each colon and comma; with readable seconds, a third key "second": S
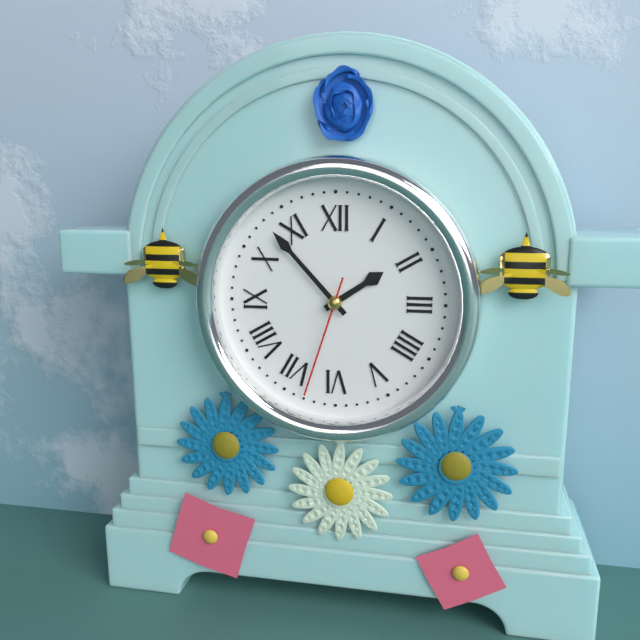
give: {"hour": 1, "minute": 53, "second": 33}
